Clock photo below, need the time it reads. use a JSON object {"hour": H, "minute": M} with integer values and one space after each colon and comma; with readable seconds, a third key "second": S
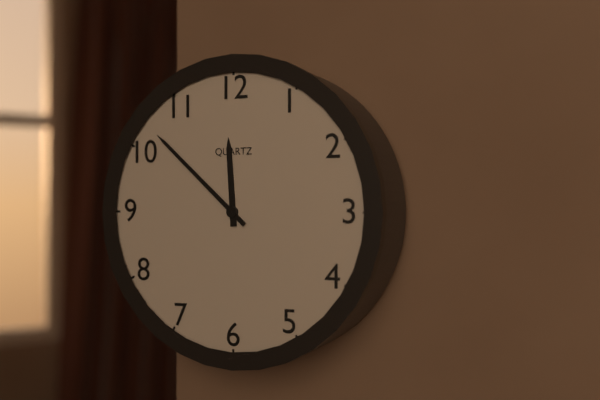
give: {"hour": 11, "minute": 52}
